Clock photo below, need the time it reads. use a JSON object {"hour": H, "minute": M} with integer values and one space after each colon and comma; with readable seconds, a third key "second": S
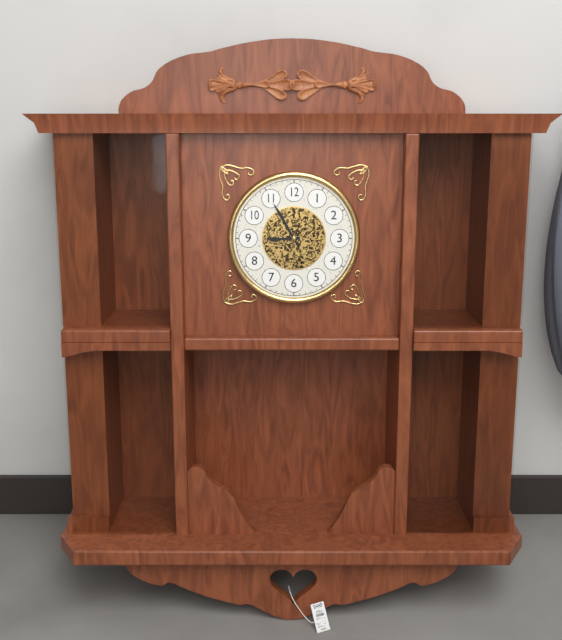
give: {"hour": 8, "minute": 55}
